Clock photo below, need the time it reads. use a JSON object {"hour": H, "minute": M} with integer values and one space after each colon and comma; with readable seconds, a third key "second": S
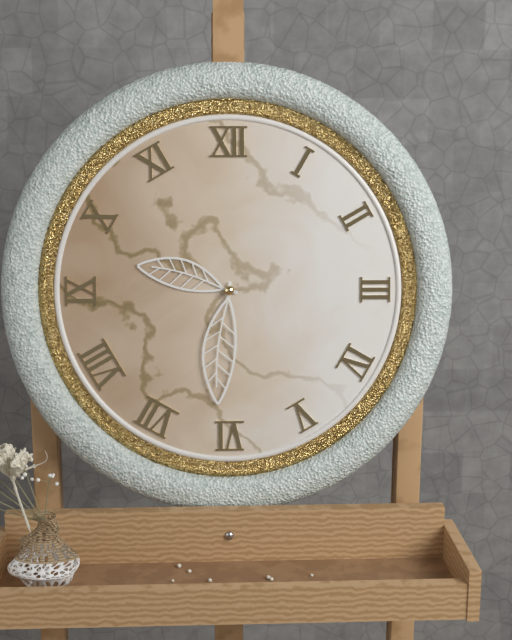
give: {"hour": 9, "minute": 31}
